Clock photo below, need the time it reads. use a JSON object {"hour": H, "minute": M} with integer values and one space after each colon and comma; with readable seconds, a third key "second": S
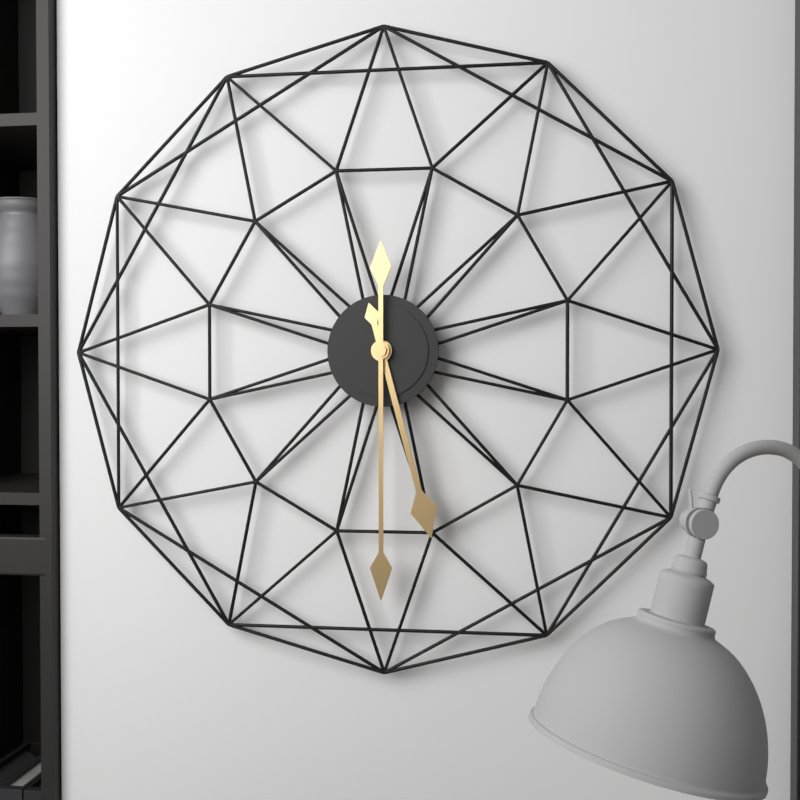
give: {"hour": 5, "minute": 30}
